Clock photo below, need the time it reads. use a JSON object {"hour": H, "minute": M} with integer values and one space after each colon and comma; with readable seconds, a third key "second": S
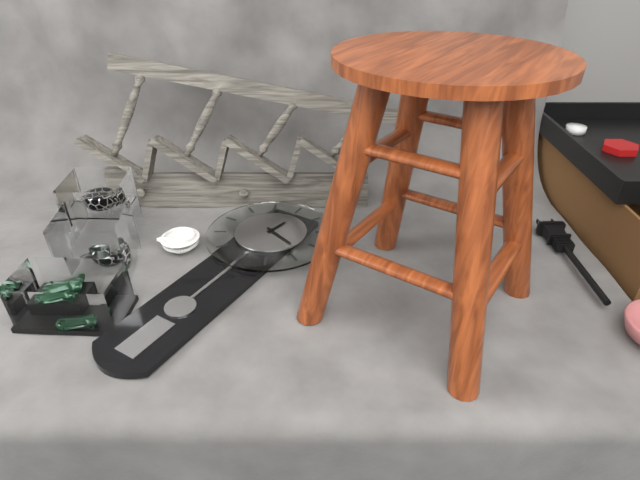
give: {"hour": 12, "minute": 18}
